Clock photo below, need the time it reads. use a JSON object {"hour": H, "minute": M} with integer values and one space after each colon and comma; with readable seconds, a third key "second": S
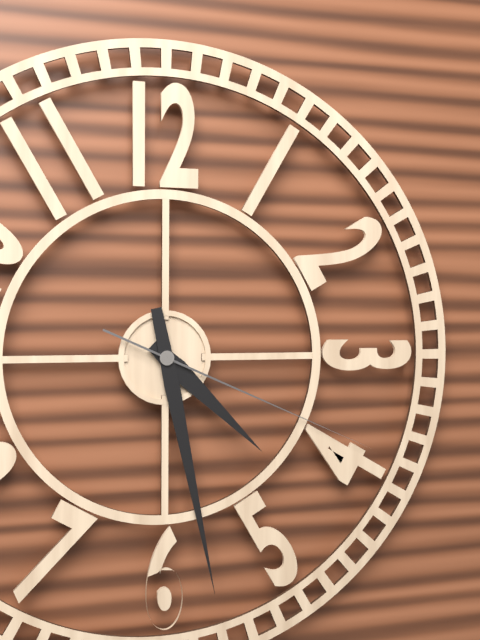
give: {"hour": 4, "minute": 28, "second": 19}
